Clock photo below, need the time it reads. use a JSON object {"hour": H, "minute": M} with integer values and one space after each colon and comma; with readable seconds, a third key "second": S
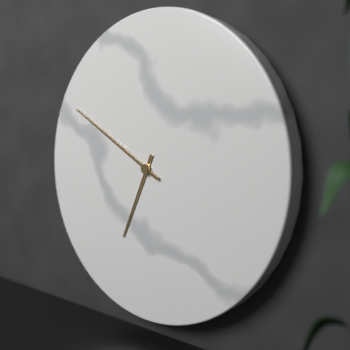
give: {"hour": 6, "minute": 50}
